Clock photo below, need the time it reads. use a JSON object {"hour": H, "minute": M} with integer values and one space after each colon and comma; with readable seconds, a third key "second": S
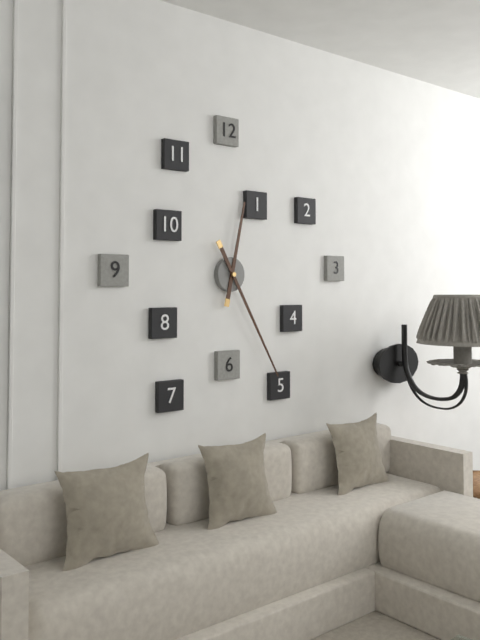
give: {"hour": 12, "minute": 25}
